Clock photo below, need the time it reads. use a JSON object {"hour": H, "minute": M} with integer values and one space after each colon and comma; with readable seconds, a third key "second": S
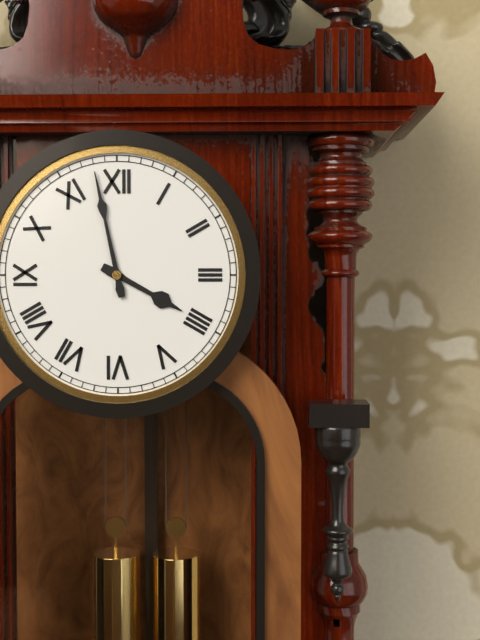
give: {"hour": 3, "minute": 58}
